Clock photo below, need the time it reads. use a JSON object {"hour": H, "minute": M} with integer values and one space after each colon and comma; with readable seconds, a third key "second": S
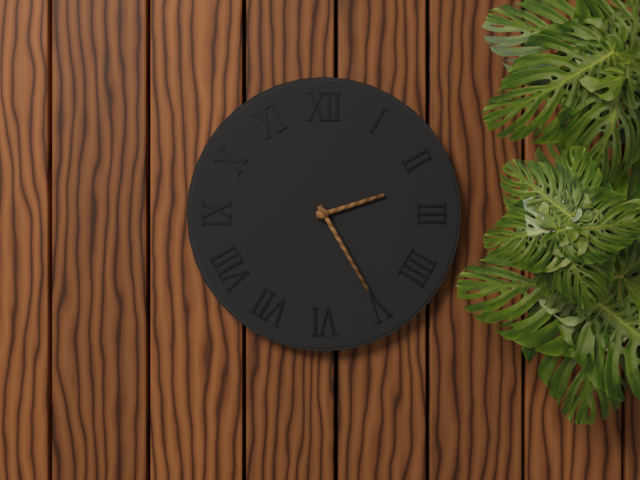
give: {"hour": 2, "minute": 25}
